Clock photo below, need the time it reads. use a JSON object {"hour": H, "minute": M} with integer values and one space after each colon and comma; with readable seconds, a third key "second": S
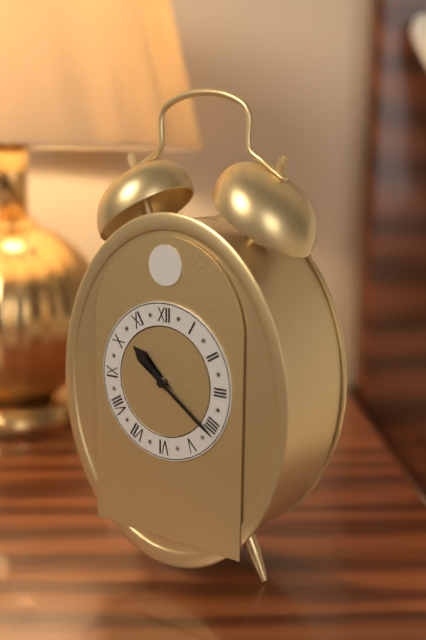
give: {"hour": 10, "minute": 21}
